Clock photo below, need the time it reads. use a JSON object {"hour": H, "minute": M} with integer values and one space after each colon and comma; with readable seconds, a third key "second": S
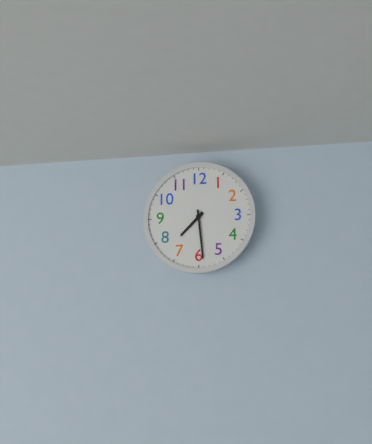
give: {"hour": 7, "minute": 29}
